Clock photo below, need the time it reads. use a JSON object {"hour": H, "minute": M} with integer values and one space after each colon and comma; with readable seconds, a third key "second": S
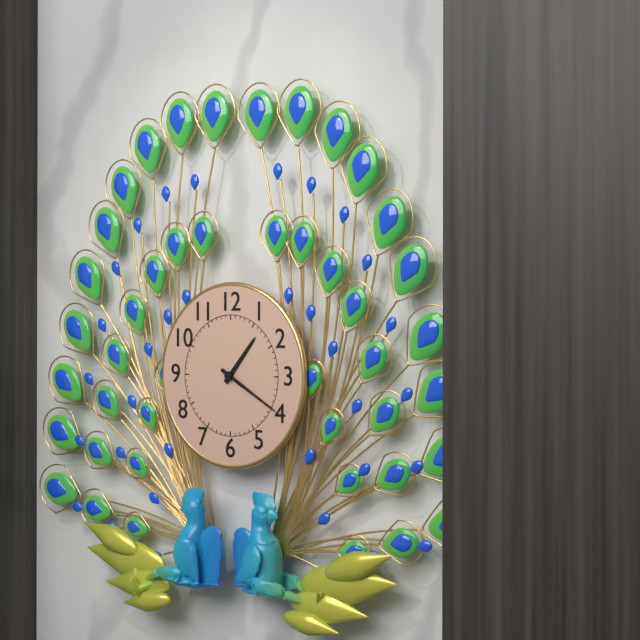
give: {"hour": 1, "minute": 20}
